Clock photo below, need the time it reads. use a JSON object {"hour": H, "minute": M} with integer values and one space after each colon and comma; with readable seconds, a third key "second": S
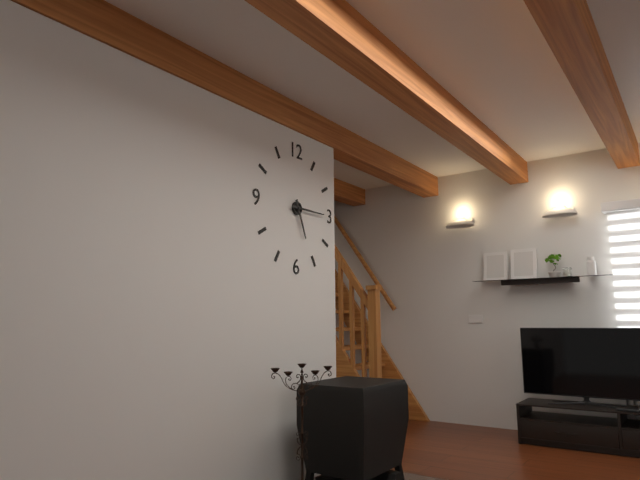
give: {"hour": 5, "minute": 15}
